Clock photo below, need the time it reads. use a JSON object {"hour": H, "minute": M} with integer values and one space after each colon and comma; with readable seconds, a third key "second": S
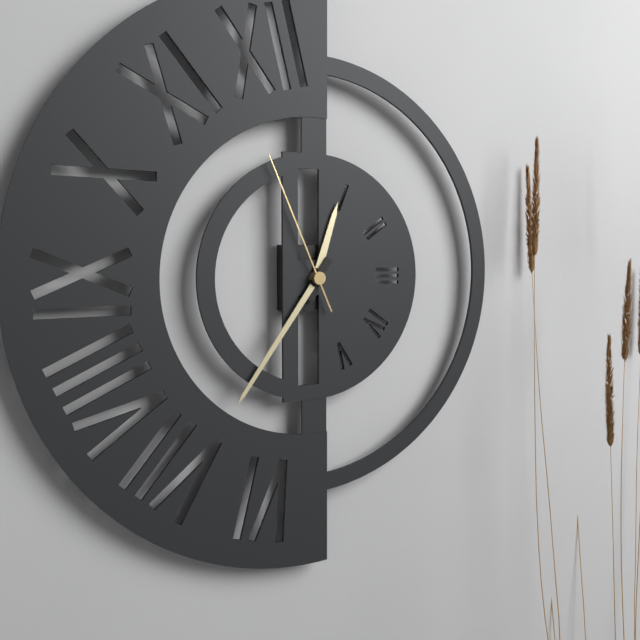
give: {"hour": 12, "minute": 36, "second": 56}
